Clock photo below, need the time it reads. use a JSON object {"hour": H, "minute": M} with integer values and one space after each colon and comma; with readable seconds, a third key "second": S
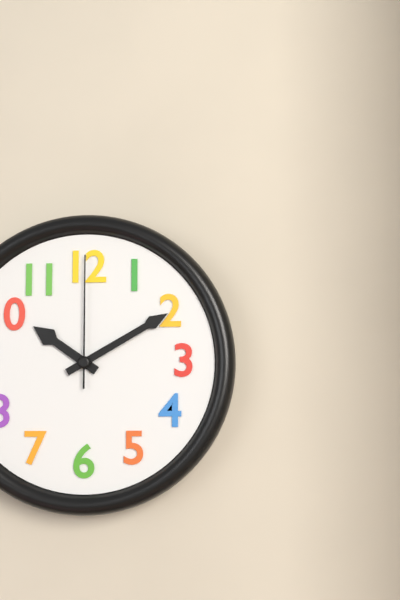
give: {"hour": 10, "minute": 10, "second": 0}
